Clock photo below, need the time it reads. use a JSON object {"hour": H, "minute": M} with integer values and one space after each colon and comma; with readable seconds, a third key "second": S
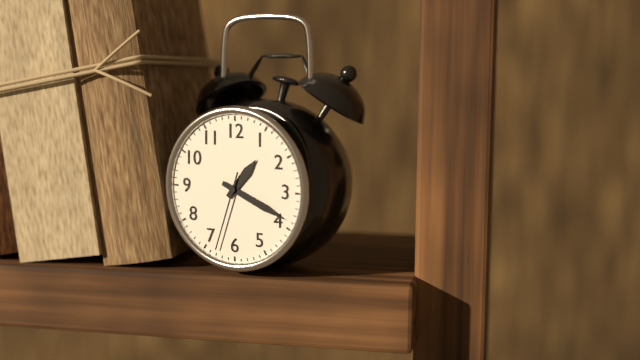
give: {"hour": 1, "minute": 19, "second": 33}
